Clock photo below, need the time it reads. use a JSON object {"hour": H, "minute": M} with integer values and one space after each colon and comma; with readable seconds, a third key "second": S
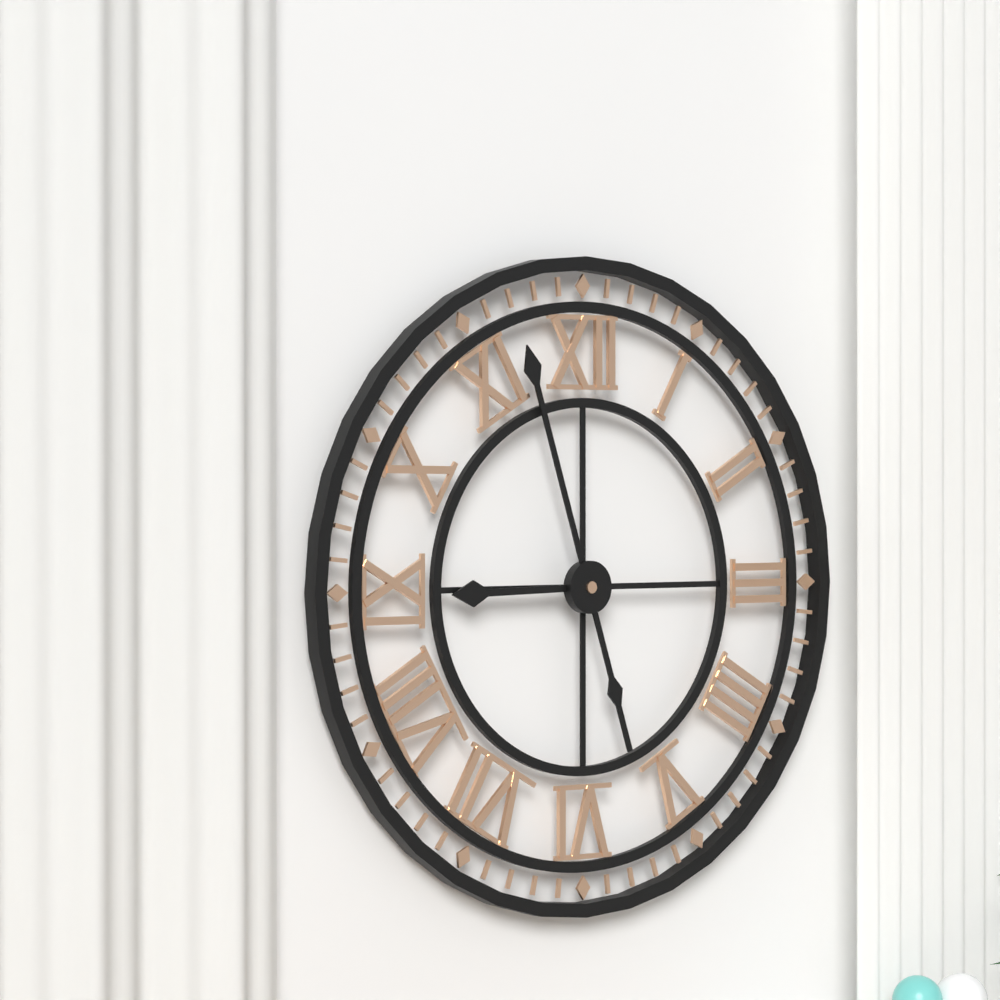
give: {"hour": 8, "minute": 57}
